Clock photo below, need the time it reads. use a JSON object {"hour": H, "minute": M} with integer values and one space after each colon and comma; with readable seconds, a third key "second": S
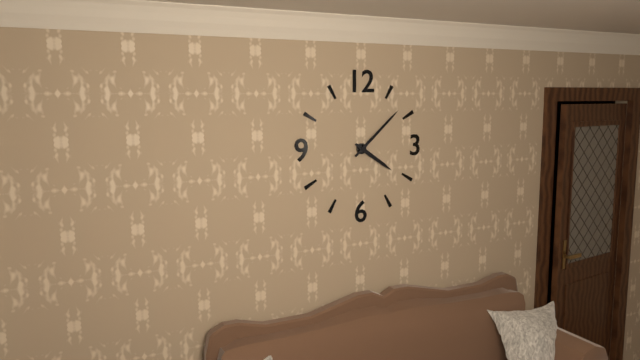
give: {"hour": 4, "minute": 8}
